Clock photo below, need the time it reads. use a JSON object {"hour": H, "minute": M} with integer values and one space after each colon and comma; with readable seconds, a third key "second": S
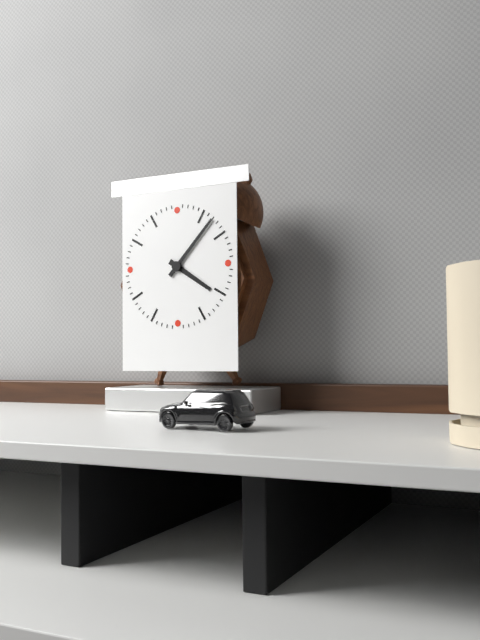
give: {"hour": 4, "minute": 7}
